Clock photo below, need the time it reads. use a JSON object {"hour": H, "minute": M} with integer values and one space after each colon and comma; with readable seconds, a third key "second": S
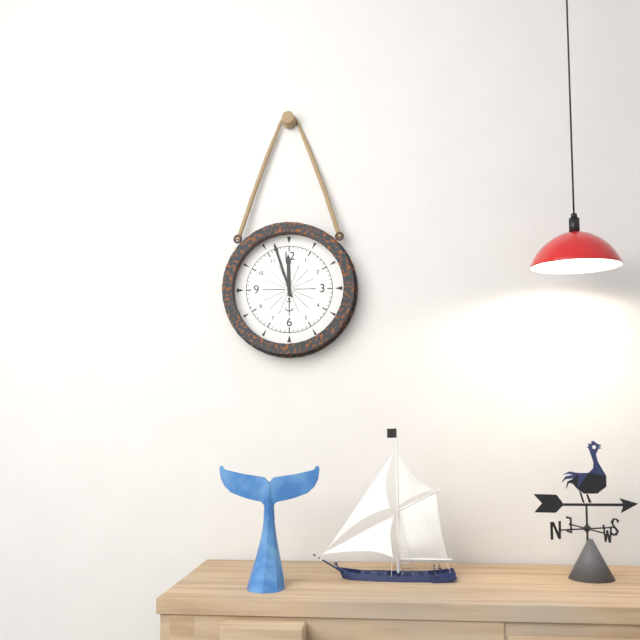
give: {"hour": 11, "minute": 57}
